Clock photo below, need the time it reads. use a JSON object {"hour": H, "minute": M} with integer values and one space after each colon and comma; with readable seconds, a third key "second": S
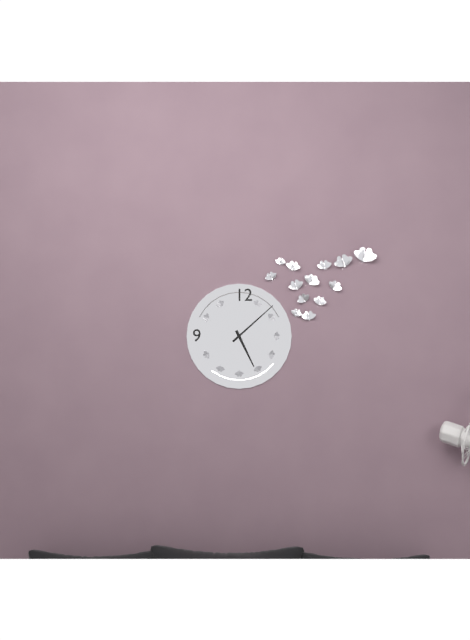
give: {"hour": 5, "minute": 8}
